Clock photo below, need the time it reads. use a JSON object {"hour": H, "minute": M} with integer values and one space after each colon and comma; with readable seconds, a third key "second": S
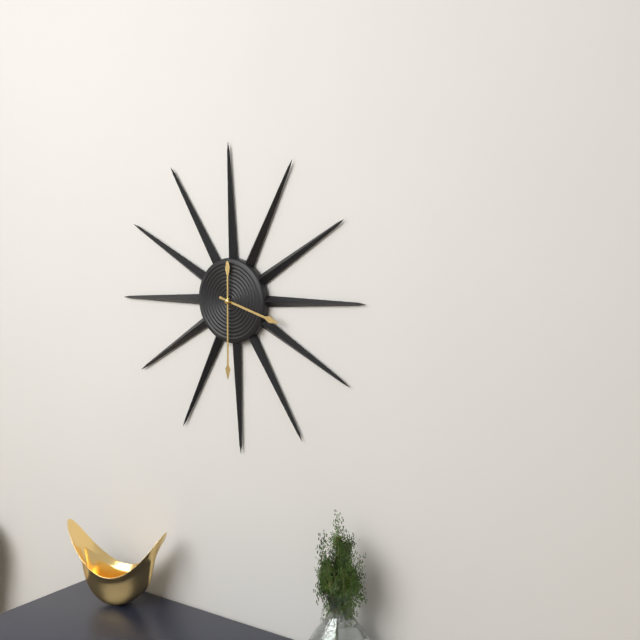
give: {"hour": 3, "minute": 30}
